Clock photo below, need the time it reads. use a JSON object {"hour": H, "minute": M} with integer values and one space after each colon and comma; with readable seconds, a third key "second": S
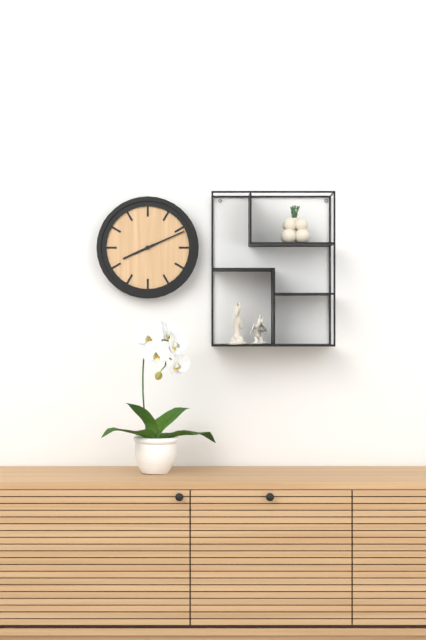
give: {"hour": 8, "minute": 11}
